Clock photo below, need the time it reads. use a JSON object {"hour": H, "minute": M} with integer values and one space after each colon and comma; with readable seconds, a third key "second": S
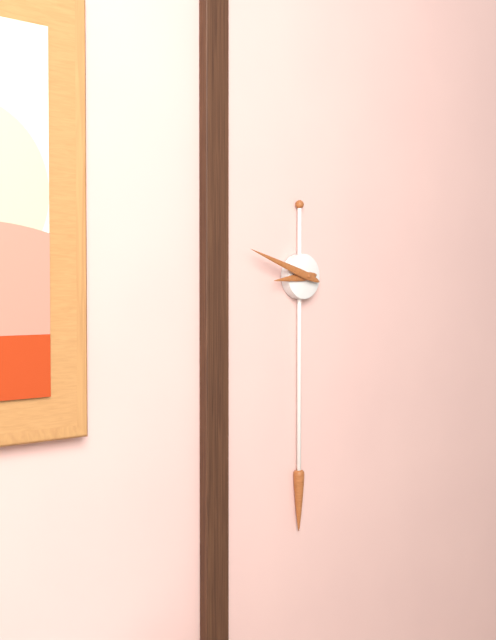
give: {"hour": 8, "minute": 48}
